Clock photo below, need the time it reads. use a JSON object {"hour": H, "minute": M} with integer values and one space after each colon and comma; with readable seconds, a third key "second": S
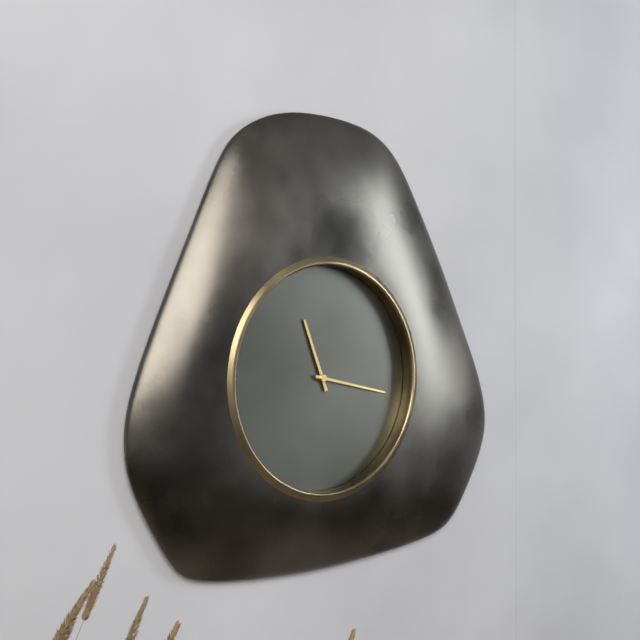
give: {"hour": 11, "minute": 17}
